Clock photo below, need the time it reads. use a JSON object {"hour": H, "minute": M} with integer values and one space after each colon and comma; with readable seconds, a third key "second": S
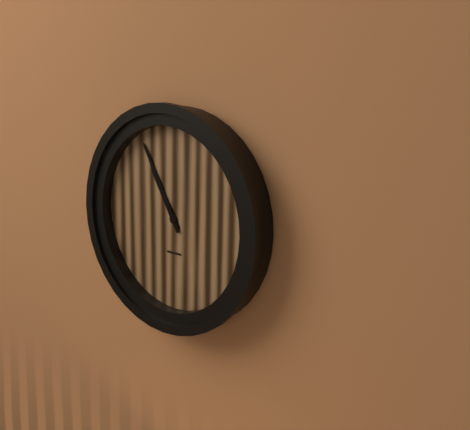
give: {"hour": 10, "minute": 55}
